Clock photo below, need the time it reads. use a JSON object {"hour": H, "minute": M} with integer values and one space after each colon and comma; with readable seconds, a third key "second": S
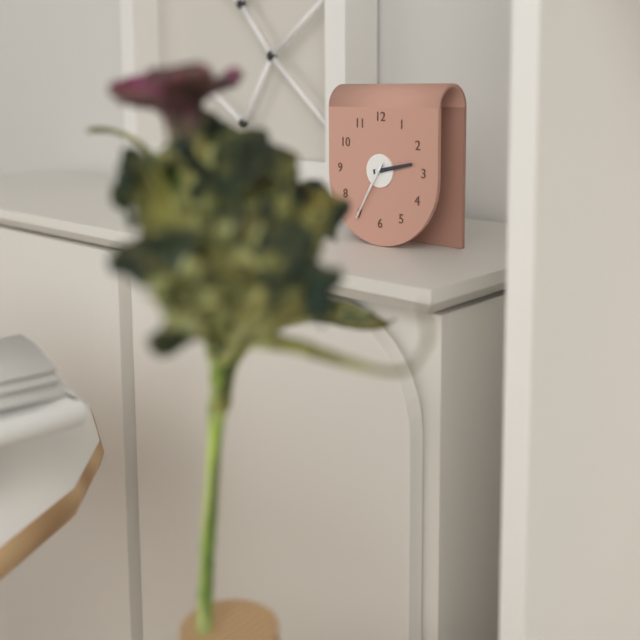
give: {"hour": 2, "minute": 35}
